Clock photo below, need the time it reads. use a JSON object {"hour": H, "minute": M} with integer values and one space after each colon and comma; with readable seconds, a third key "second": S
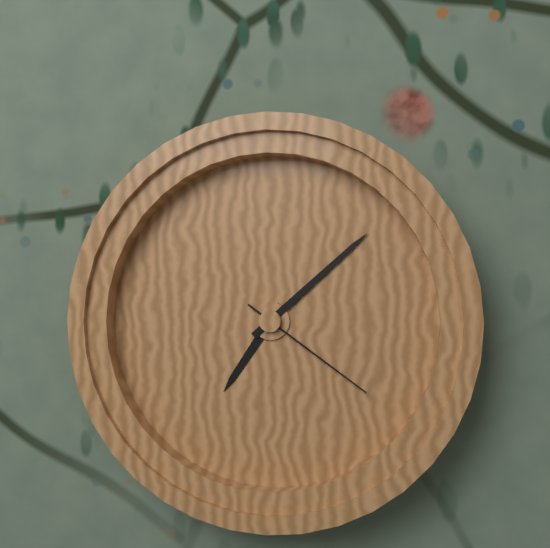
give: {"hour": 7, "minute": 8, "second": 21}
